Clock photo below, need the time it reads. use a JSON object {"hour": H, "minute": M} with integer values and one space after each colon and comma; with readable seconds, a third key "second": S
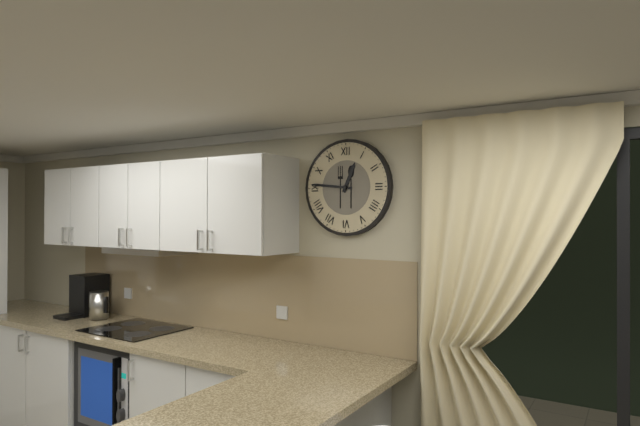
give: {"hour": 12, "minute": 46}
